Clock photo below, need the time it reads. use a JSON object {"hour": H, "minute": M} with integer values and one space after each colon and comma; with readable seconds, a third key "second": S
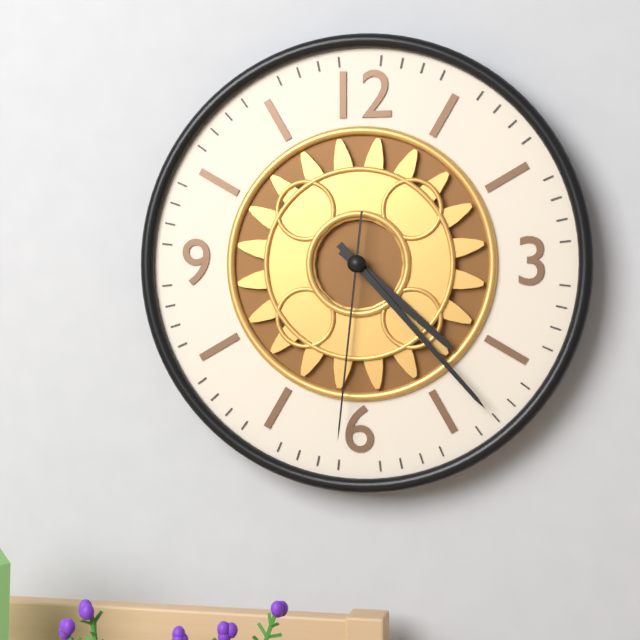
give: {"hour": 4, "minute": 23, "second": 31}
